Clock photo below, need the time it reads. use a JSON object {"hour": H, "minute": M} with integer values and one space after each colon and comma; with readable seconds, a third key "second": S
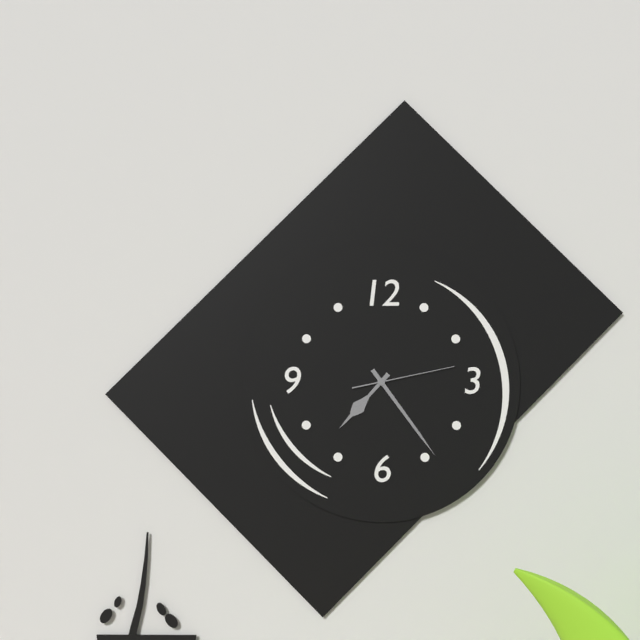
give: {"hour": 7, "minute": 24, "second": 13}
